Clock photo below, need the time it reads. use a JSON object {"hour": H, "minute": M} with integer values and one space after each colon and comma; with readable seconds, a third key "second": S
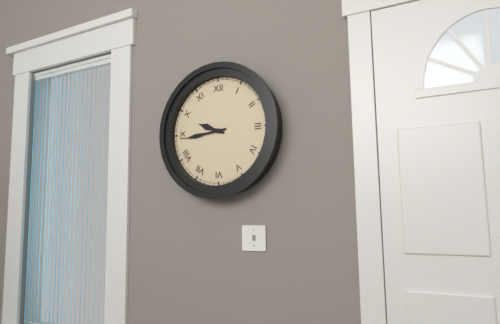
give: {"hour": 9, "minute": 44}
